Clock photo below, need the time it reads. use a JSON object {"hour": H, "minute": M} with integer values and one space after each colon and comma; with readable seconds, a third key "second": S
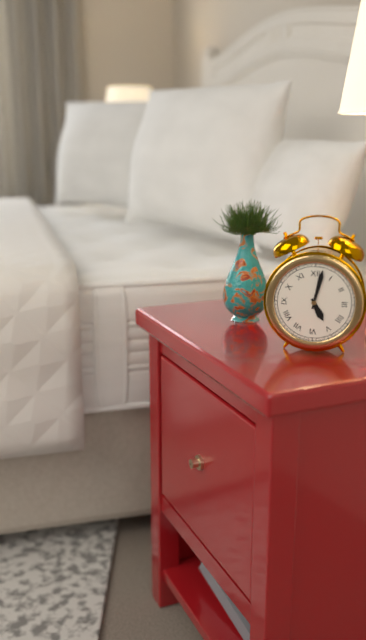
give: {"hour": 5, "minute": 2}
